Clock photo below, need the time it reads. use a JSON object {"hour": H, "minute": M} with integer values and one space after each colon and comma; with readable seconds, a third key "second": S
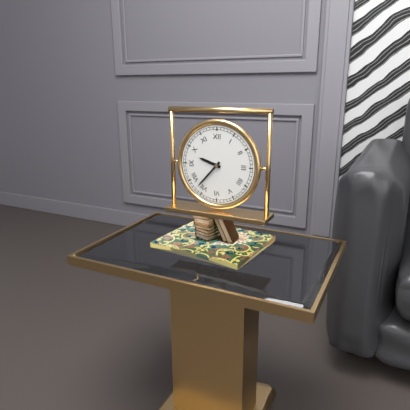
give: {"hour": 9, "minute": 37}
